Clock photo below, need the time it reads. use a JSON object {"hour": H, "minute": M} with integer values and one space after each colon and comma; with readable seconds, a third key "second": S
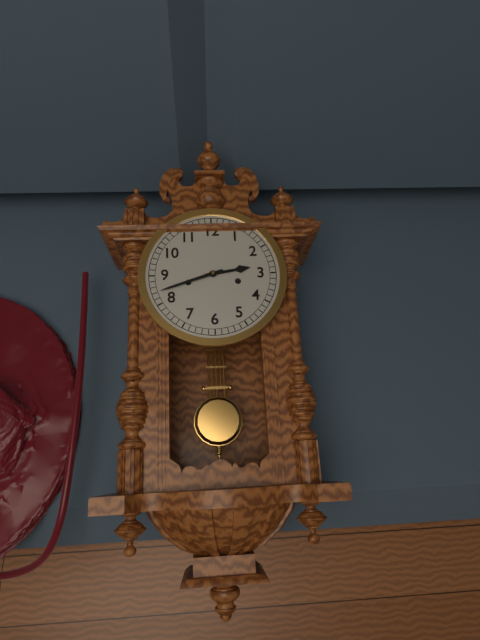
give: {"hour": 2, "minute": 42}
